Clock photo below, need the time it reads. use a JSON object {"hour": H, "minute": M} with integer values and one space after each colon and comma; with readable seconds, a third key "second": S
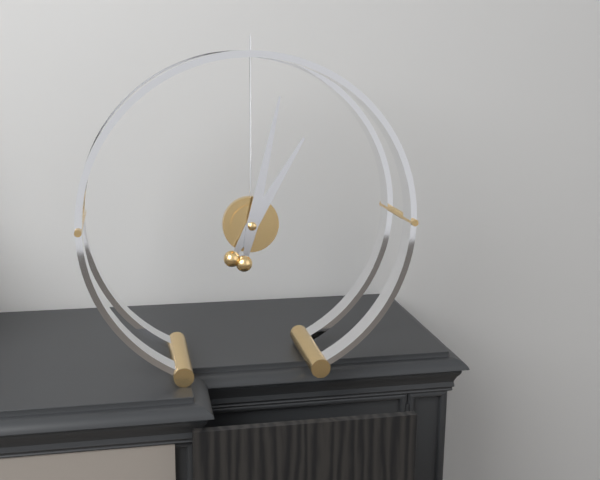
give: {"hour": 1, "minute": 2}
